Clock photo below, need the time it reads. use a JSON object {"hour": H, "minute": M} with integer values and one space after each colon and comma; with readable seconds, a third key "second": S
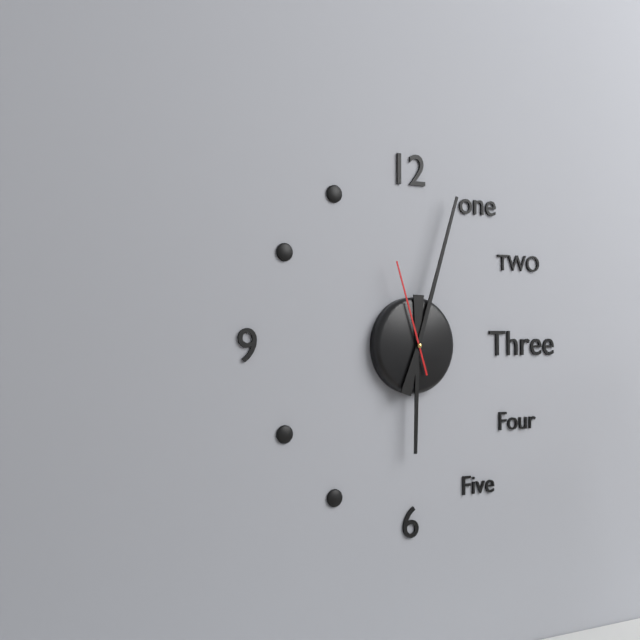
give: {"hour": 6, "minute": 3, "second": 57}
